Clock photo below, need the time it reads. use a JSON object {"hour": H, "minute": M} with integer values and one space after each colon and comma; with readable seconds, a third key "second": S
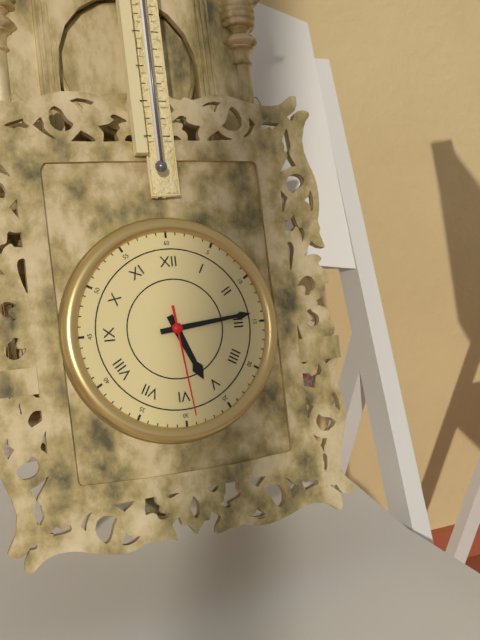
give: {"hour": 5, "minute": 14, "second": 29}
